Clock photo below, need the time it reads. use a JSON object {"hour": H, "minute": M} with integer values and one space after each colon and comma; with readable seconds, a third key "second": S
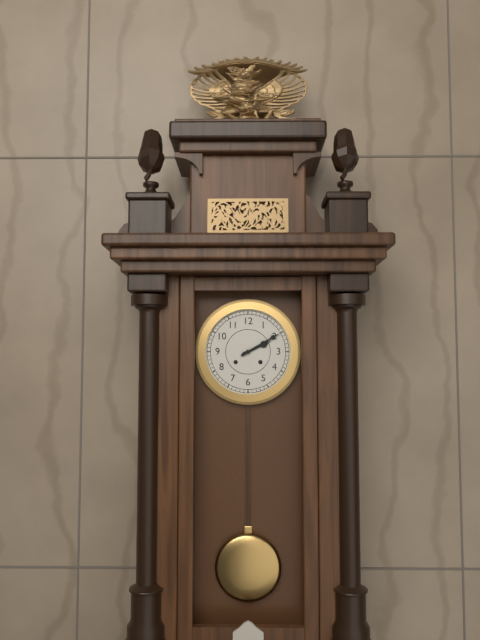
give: {"hour": 2, "minute": 10}
